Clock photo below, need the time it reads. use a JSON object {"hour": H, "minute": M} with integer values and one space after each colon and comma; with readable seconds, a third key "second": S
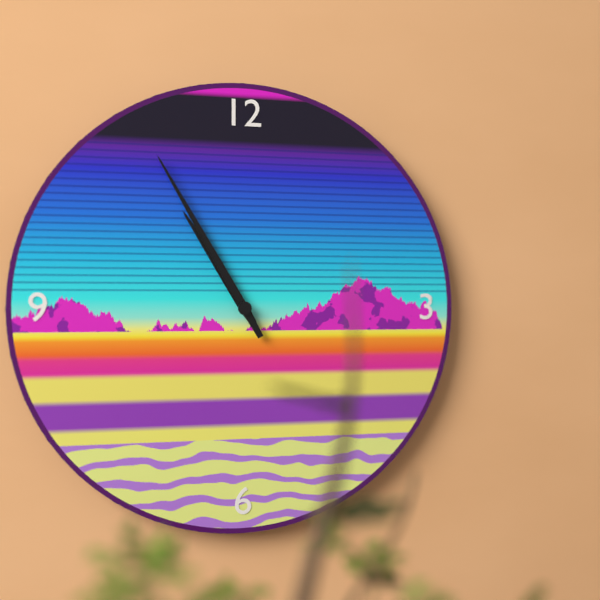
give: {"hour": 10, "minute": 55}
